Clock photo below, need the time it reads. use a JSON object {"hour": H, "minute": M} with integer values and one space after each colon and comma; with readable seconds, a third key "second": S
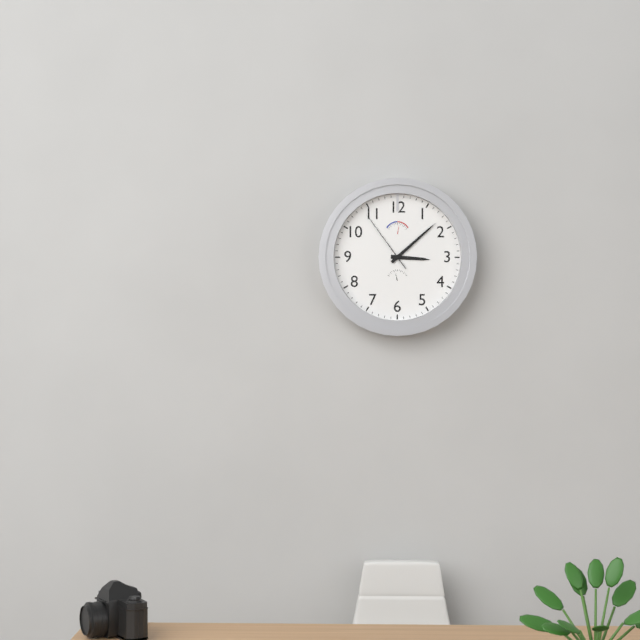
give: {"hour": 3, "minute": 8, "second": 54}
